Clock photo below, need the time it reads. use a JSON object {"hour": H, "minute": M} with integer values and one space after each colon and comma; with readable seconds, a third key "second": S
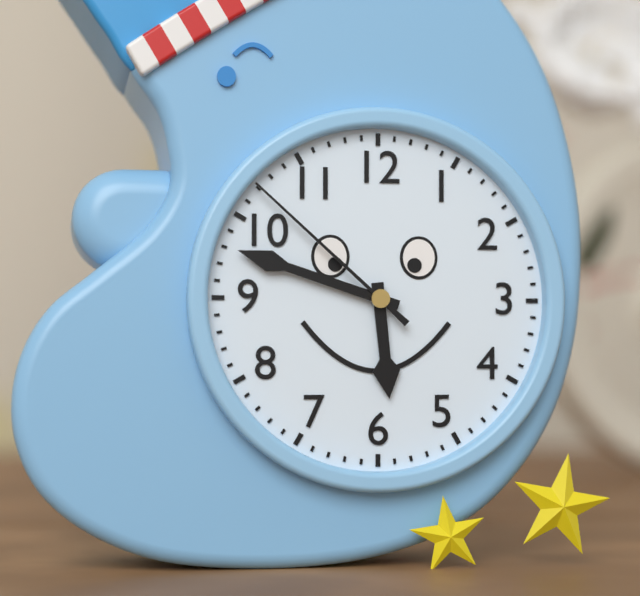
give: {"hour": 5, "minute": 48, "second": 52}
